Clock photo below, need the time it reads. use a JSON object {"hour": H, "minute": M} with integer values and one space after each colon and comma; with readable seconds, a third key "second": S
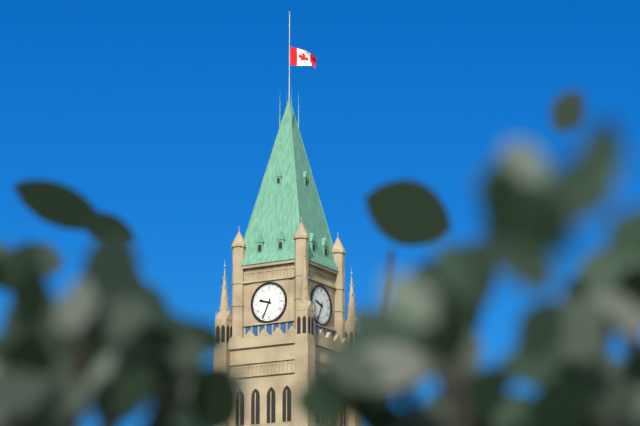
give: {"hour": 9, "minute": 34}
